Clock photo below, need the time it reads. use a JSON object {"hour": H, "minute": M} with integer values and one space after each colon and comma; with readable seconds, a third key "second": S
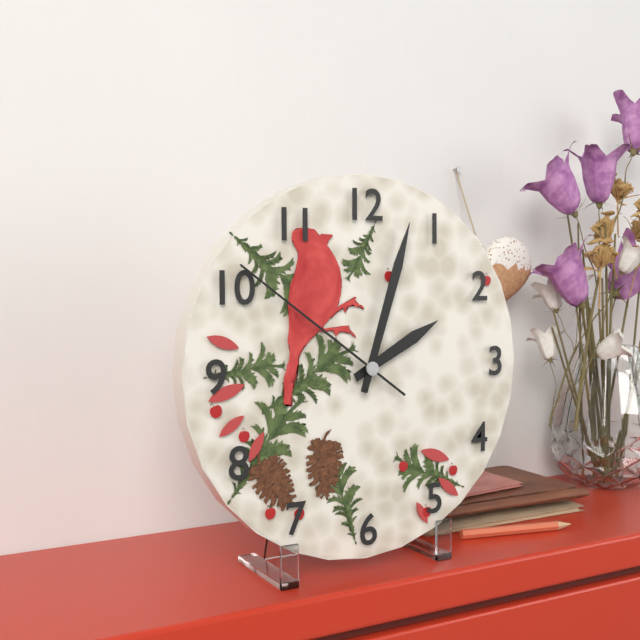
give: {"hour": 2, "minute": 3, "second": 51}
